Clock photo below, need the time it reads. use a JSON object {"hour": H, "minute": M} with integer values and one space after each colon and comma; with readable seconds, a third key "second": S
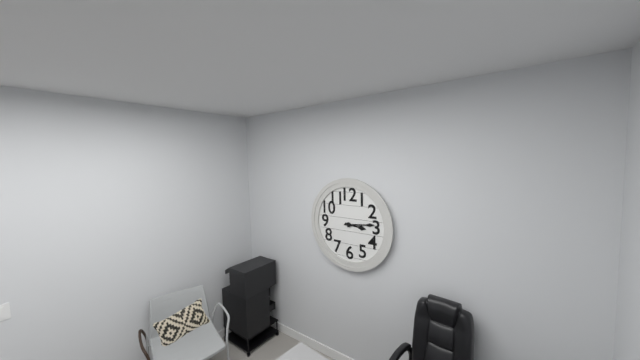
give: {"hour": 3, "minute": 14}
